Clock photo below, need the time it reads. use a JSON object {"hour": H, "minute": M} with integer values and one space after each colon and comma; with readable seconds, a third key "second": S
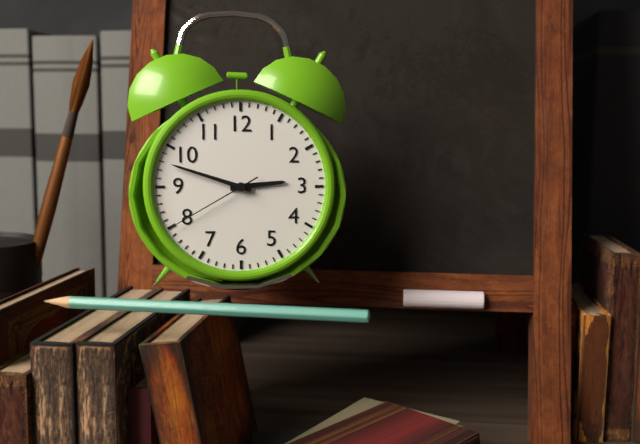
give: {"hour": 2, "minute": 48, "second": 40}
